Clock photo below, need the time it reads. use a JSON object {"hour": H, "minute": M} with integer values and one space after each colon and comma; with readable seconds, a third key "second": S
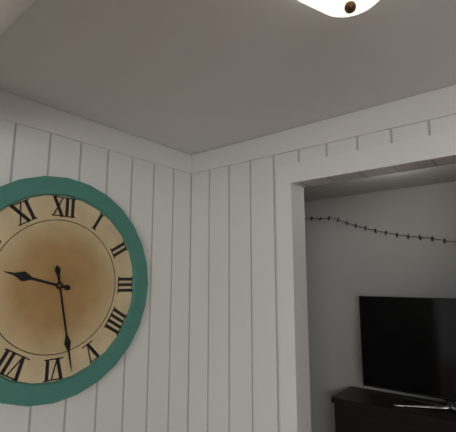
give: {"hour": 9, "minute": 28}
